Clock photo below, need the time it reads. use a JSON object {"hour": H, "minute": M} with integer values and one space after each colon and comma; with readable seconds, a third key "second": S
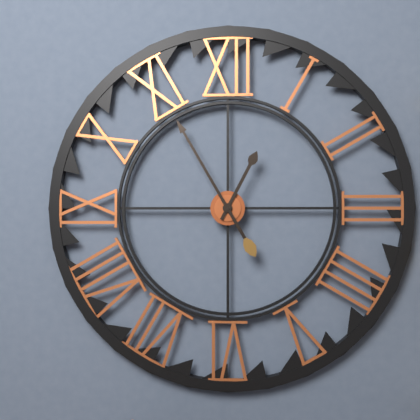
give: {"hour": 12, "minute": 55}
